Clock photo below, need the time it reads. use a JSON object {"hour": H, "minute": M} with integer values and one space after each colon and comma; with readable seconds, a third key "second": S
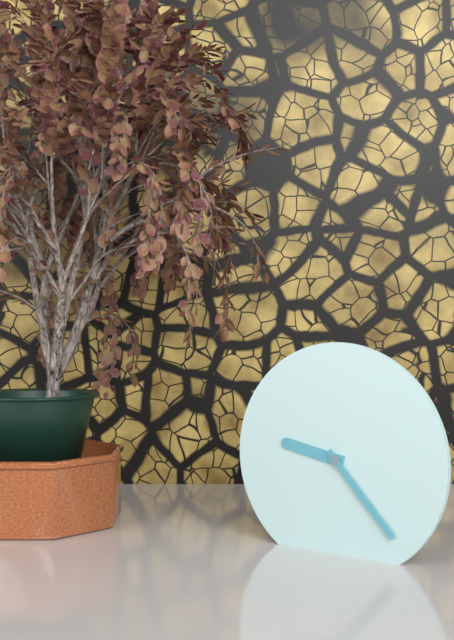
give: {"hour": 9, "minute": 23}
